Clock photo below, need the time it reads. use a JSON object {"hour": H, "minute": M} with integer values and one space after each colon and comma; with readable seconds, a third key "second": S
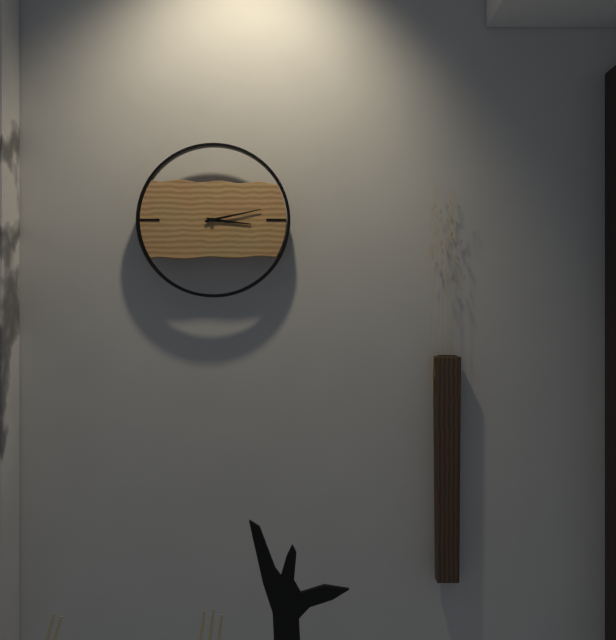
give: {"hour": 3, "minute": 13}
